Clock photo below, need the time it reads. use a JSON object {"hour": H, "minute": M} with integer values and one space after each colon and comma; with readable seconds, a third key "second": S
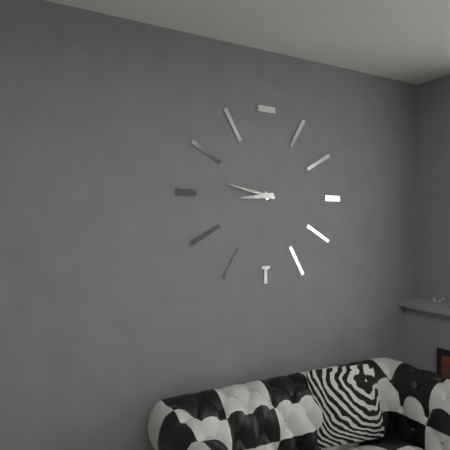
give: {"hour": 8, "minute": 47}
